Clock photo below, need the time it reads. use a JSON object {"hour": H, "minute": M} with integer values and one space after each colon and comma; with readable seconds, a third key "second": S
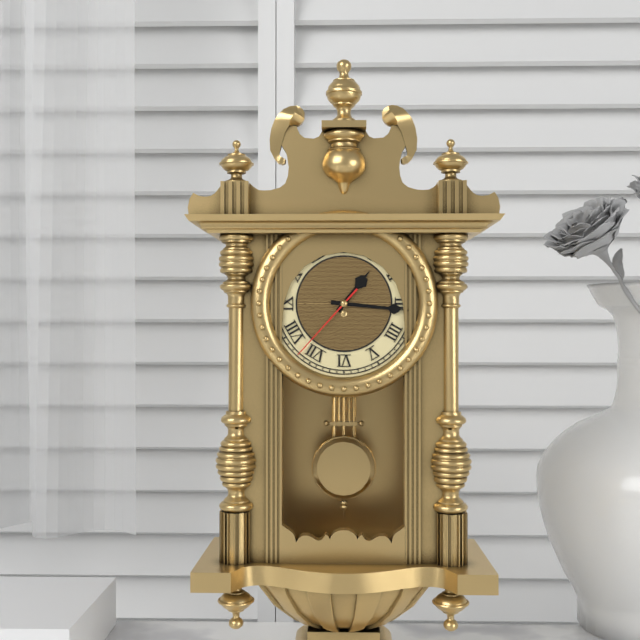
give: {"hour": 1, "minute": 16, "second": 37}
